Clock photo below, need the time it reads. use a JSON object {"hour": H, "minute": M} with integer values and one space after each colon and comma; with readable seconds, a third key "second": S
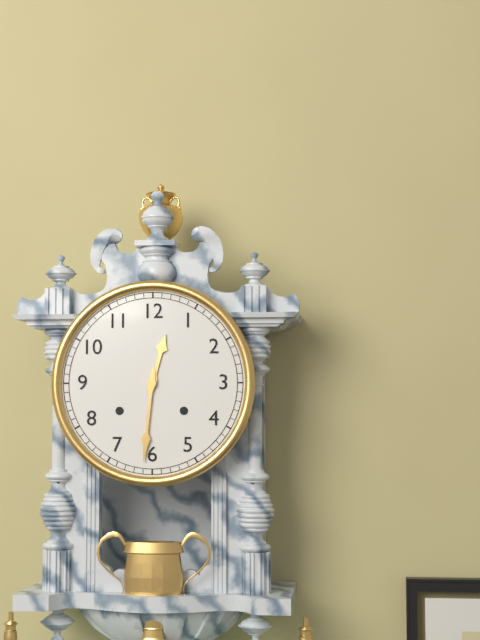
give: {"hour": 12, "minute": 31}
